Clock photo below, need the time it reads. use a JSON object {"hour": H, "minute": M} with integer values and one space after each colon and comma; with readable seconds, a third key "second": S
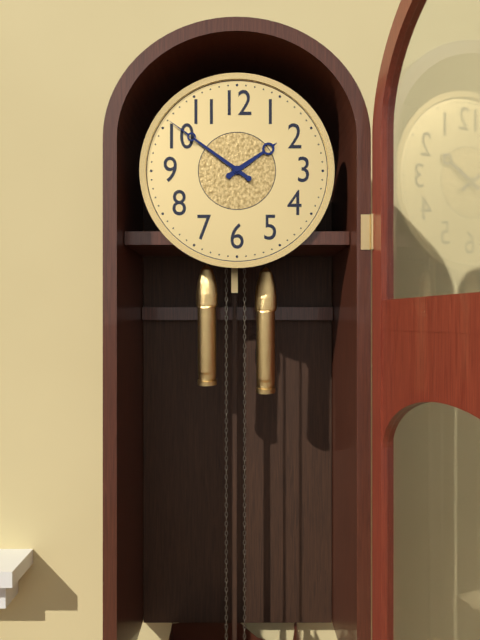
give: {"hour": 1, "minute": 51}
